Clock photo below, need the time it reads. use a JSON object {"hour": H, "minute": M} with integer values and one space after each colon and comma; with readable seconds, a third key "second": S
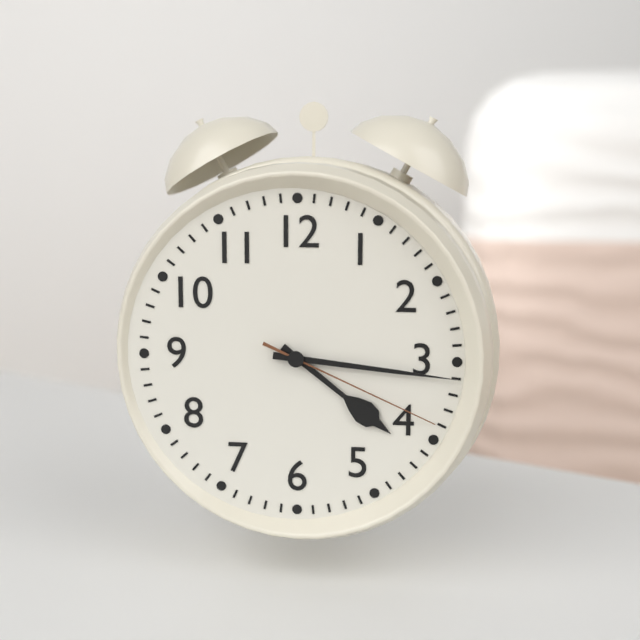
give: {"hour": 4, "minute": 16, "second": 19}
